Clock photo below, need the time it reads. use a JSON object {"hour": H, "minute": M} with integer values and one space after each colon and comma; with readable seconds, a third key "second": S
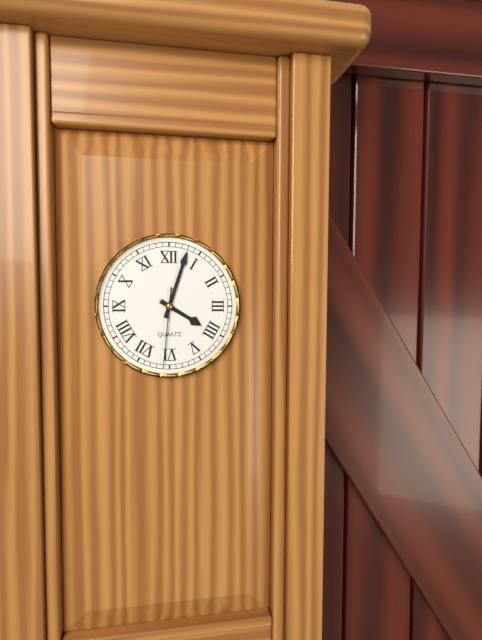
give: {"hour": 4, "minute": 3, "second": 31}
